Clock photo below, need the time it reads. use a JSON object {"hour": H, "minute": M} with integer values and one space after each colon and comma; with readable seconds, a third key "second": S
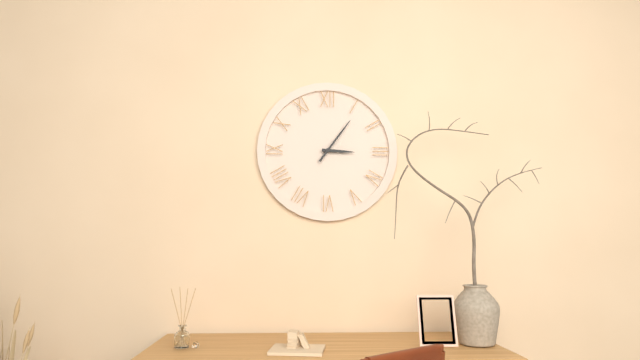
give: {"hour": 3, "minute": 6}
